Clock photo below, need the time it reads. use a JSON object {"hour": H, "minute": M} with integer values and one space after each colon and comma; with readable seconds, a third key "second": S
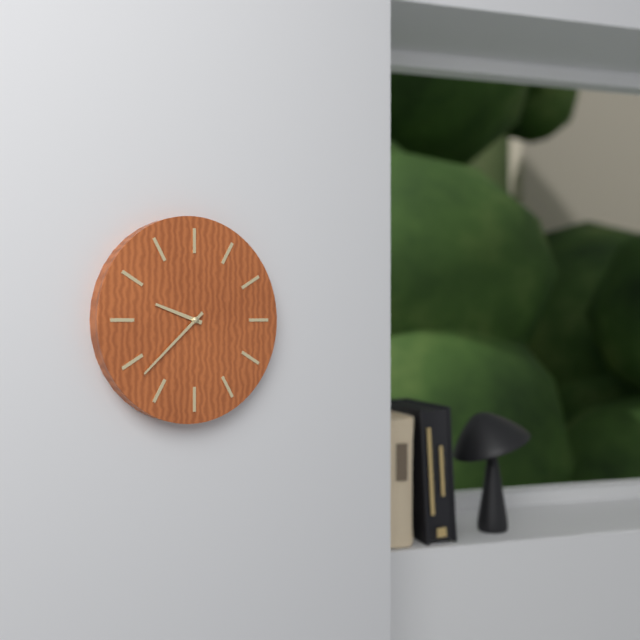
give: {"hour": 9, "minute": 38}
